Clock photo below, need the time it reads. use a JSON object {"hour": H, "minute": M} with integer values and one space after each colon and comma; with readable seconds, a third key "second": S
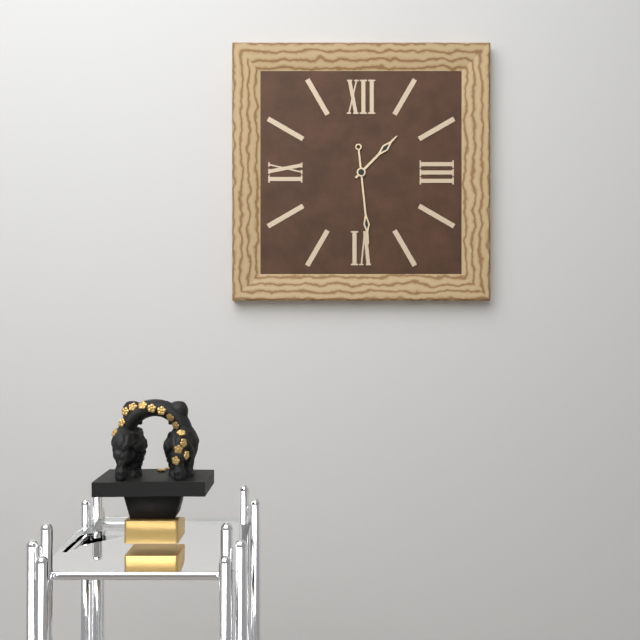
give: {"hour": 1, "minute": 29}
